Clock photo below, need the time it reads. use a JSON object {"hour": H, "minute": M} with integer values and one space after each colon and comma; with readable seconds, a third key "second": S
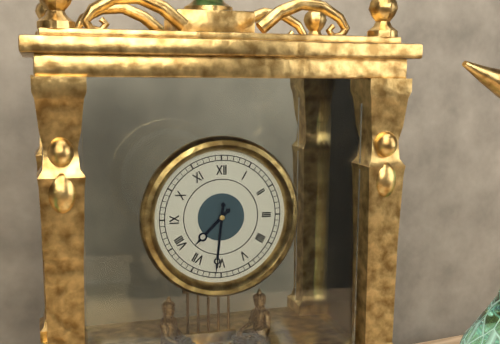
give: {"hour": 7, "minute": 31}
